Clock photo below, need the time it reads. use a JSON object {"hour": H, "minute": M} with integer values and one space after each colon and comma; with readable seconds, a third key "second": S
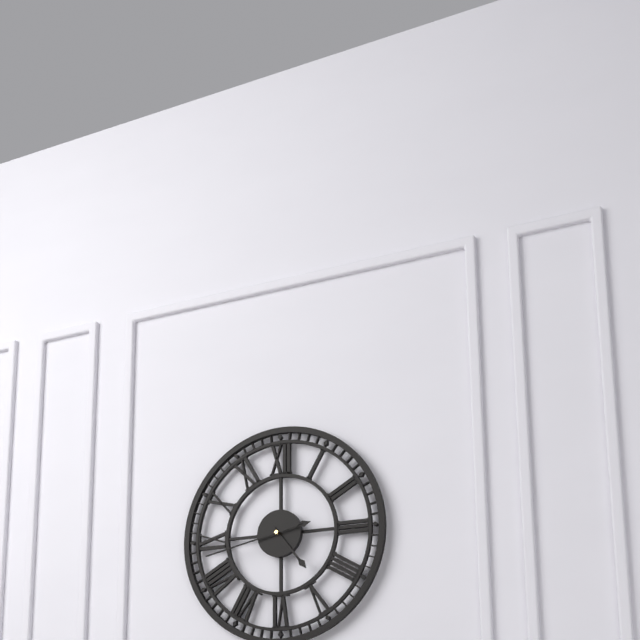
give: {"hour": 4, "minute": 43}
